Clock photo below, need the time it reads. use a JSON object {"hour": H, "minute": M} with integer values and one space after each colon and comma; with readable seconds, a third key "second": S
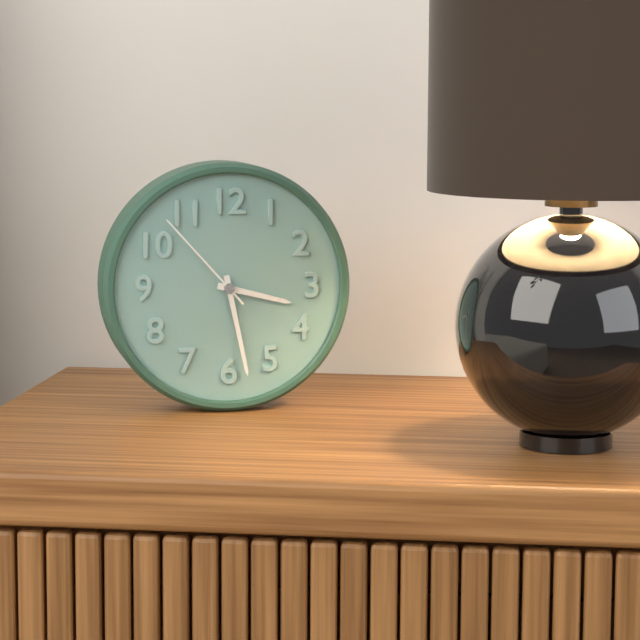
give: {"hour": 3, "minute": 28, "second": 53}
